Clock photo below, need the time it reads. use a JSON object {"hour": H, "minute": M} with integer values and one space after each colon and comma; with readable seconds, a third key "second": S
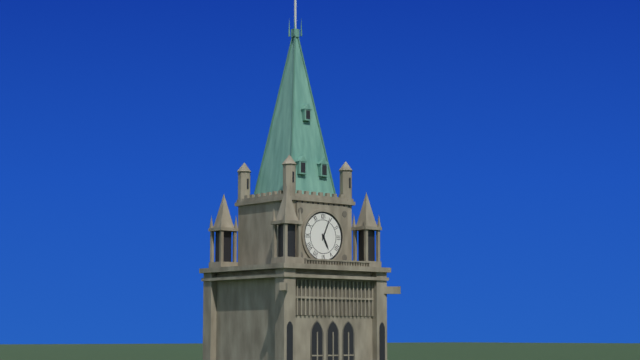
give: {"hour": 5, "minute": 4}
